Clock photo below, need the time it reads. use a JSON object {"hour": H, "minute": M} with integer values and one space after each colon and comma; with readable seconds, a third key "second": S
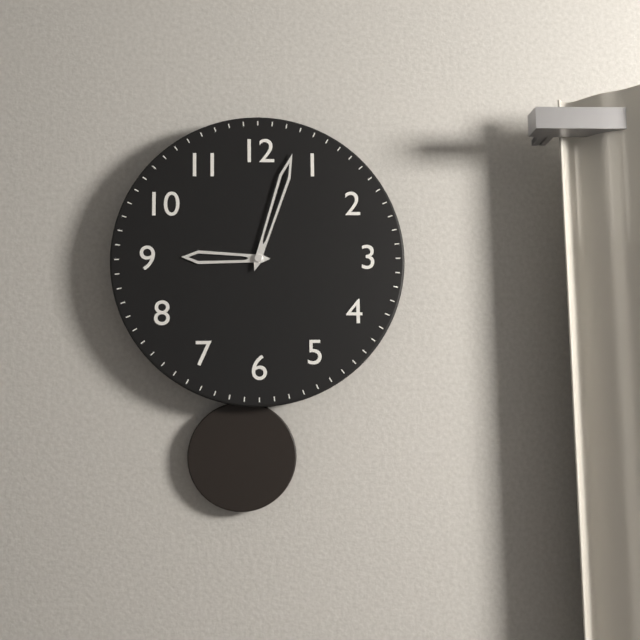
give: {"hour": 9, "minute": 3}
